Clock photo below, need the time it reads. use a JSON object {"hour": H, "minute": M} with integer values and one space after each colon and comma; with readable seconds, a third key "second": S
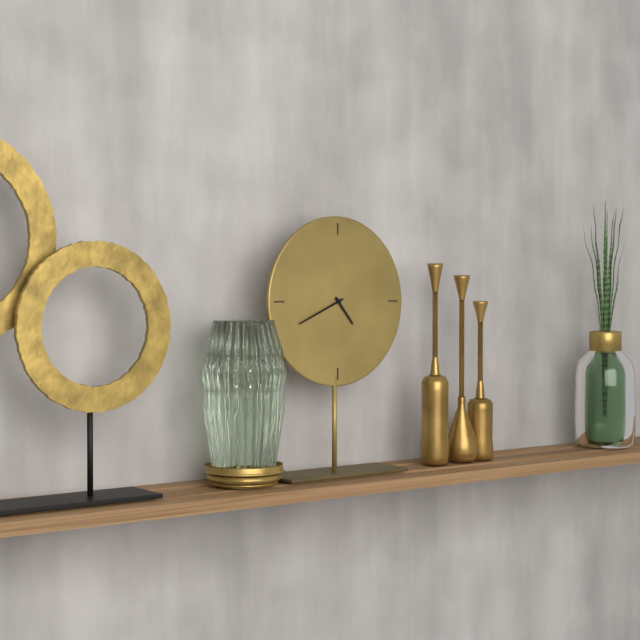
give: {"hour": 4, "minute": 41}
